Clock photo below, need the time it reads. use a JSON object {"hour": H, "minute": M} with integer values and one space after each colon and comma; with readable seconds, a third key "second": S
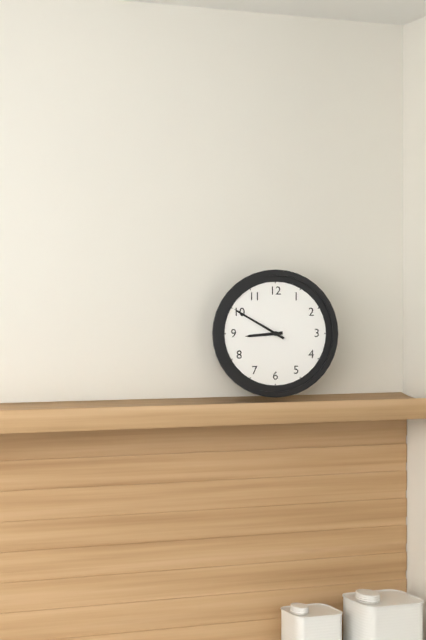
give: {"hour": 8, "minute": 50}
